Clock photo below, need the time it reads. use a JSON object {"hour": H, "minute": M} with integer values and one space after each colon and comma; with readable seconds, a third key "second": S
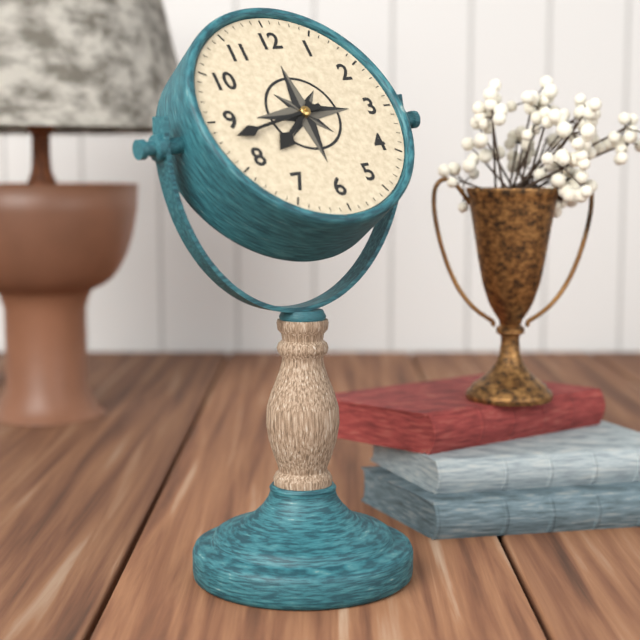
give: {"hour": 7, "minute": 43}
